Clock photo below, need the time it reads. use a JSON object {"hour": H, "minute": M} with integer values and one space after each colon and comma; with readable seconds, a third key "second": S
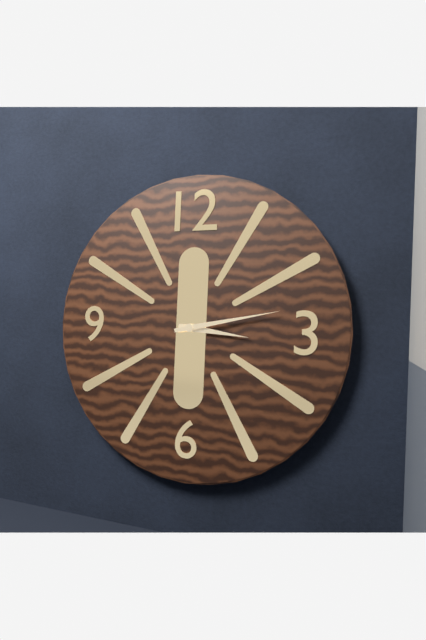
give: {"hour": 3, "minute": 13}
